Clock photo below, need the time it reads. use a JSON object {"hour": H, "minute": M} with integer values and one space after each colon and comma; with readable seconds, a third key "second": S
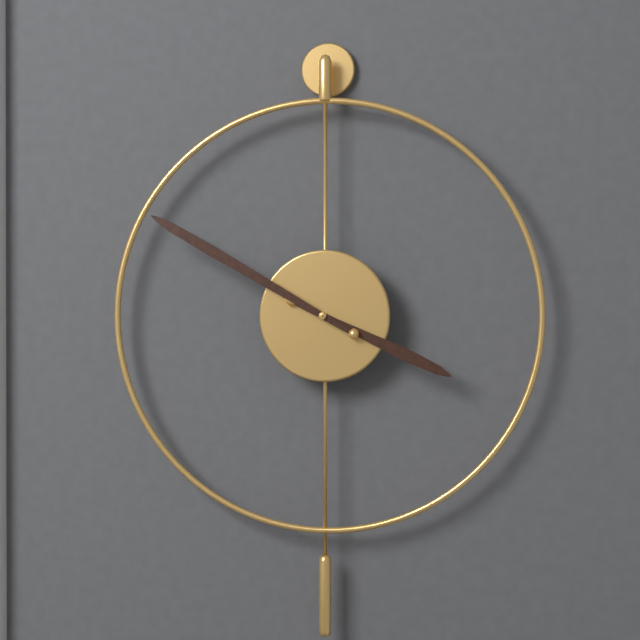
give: {"hour": 3, "minute": 50}
